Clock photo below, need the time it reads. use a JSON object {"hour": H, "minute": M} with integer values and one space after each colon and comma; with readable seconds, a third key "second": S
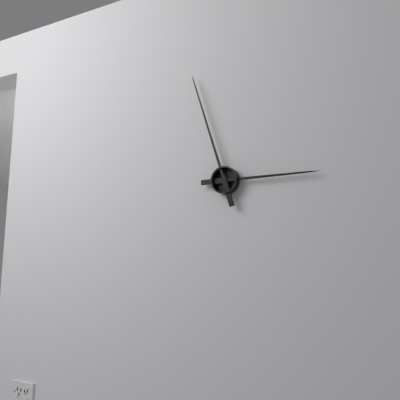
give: {"hour": 2, "minute": 57}
